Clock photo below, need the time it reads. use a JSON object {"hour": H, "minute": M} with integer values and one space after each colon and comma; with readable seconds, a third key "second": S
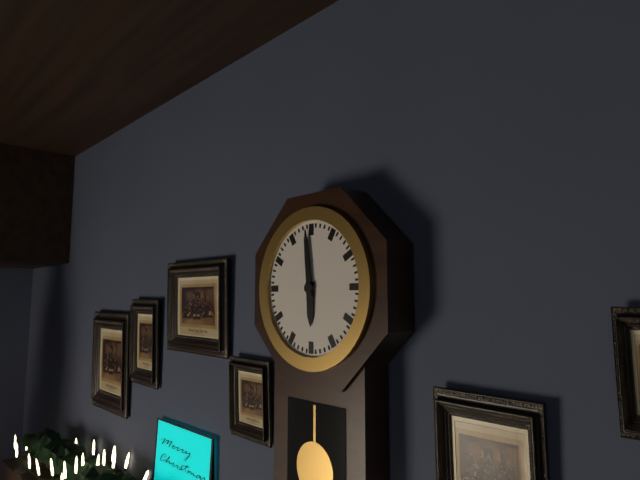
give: {"hour": 5, "minute": 59}
